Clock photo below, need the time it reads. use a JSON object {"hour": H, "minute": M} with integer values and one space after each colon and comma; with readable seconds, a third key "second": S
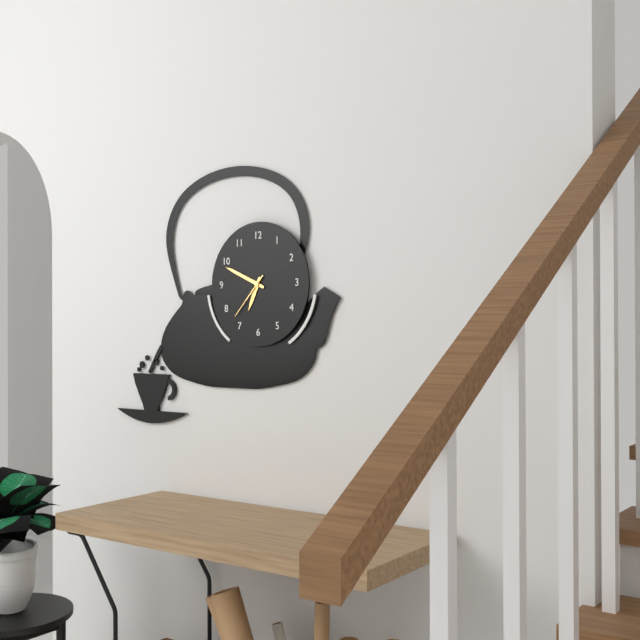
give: {"hour": 6, "minute": 49, "second": 37}
